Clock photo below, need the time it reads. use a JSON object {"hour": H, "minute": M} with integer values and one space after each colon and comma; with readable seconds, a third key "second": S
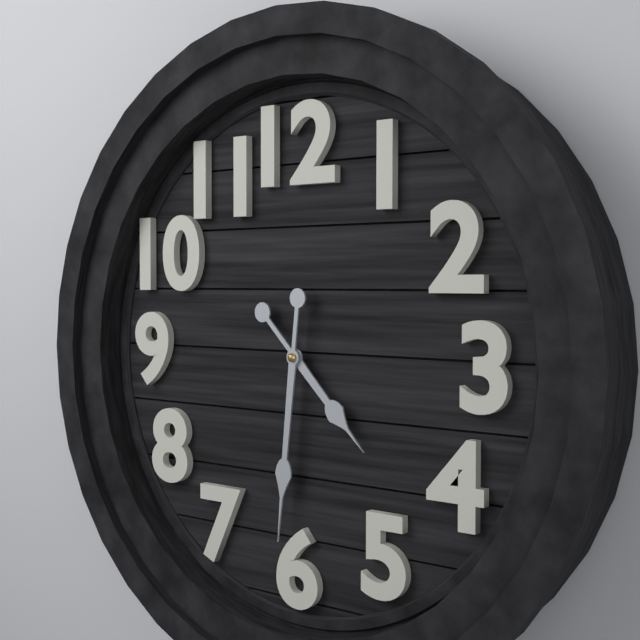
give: {"hour": 4, "minute": 31}
